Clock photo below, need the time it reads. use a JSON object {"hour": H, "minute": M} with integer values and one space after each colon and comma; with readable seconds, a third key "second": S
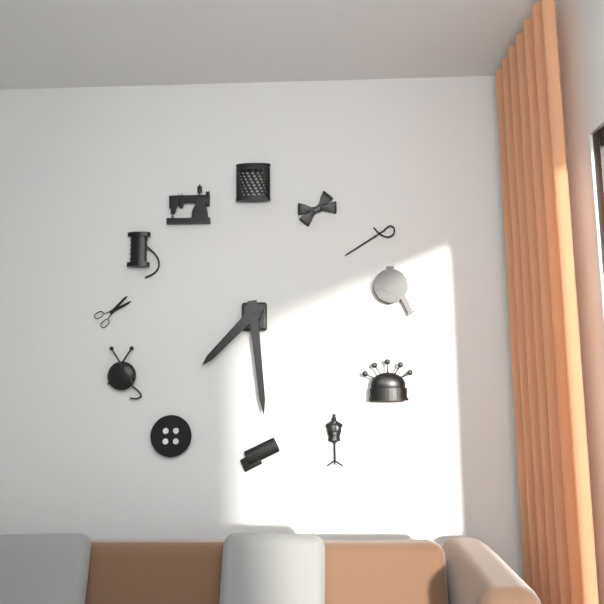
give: {"hour": 7, "minute": 29}
